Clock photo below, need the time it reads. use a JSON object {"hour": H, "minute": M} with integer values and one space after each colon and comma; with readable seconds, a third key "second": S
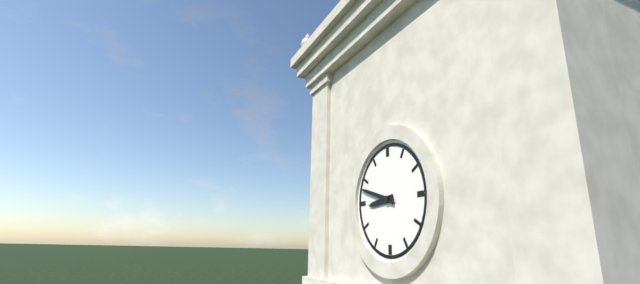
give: {"hour": 8, "minute": 48}
